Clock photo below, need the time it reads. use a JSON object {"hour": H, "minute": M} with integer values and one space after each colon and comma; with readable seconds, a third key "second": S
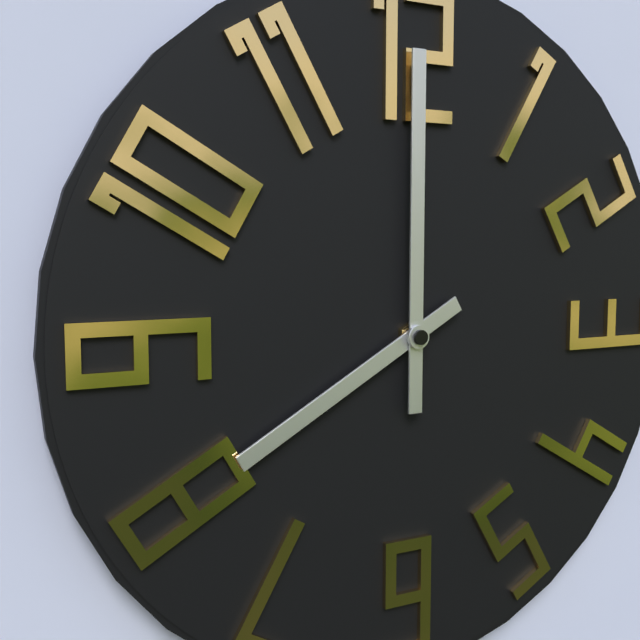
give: {"hour": 8, "minute": 0}
